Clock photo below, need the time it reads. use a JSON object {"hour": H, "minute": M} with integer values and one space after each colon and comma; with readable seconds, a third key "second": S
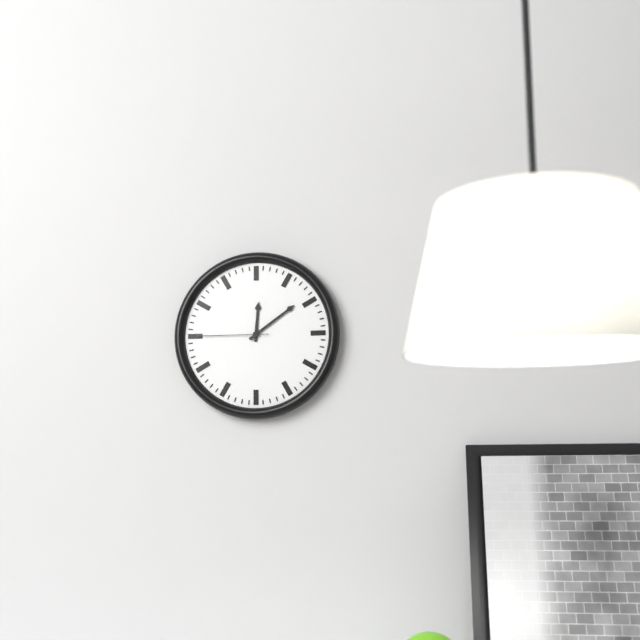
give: {"hour": 12, "minute": 9, "second": 45}
